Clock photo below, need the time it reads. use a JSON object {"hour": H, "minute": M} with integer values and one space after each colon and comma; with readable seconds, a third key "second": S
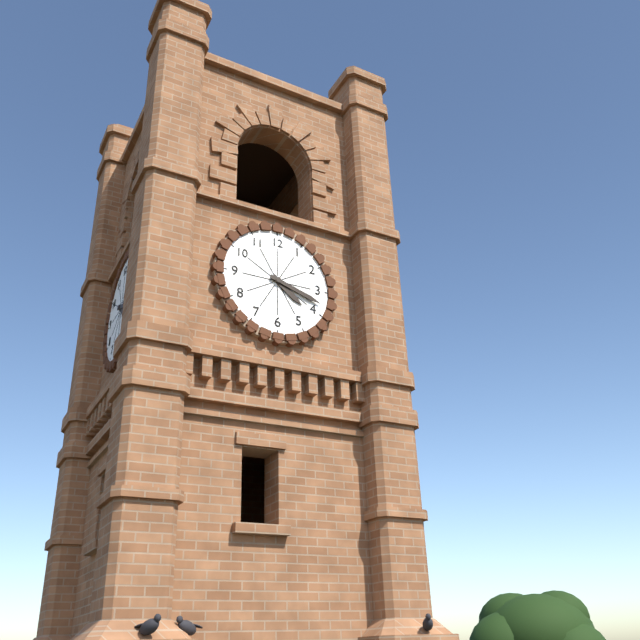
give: {"hour": 4, "minute": 18}
